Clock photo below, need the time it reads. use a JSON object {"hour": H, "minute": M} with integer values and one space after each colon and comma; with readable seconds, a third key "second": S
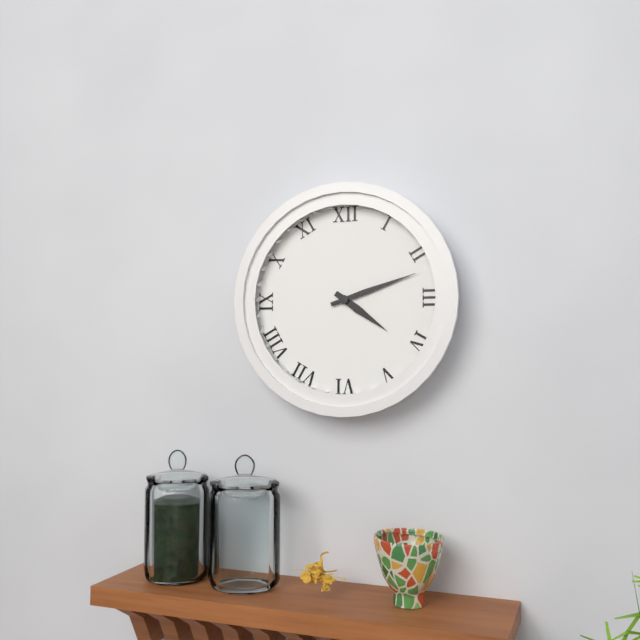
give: {"hour": 4, "minute": 12}
